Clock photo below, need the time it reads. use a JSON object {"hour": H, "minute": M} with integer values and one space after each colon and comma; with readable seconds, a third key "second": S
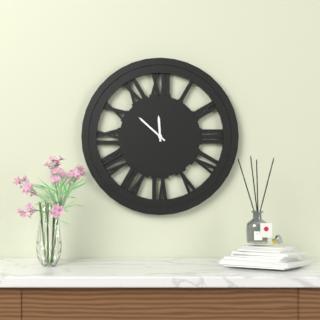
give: {"hour": 11, "minute": 52}
